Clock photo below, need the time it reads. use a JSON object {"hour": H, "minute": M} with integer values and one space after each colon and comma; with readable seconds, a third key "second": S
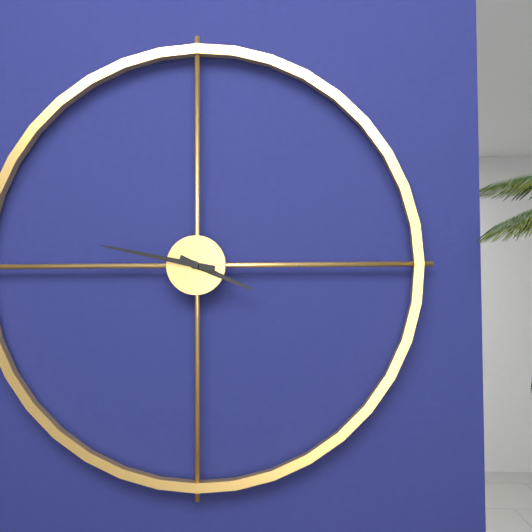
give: {"hour": 3, "minute": 47}
